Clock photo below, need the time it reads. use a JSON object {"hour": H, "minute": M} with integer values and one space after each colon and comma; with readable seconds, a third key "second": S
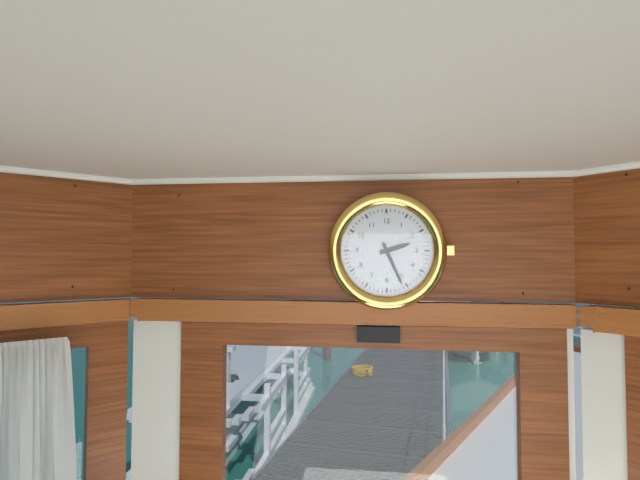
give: {"hour": 2, "minute": 26}
